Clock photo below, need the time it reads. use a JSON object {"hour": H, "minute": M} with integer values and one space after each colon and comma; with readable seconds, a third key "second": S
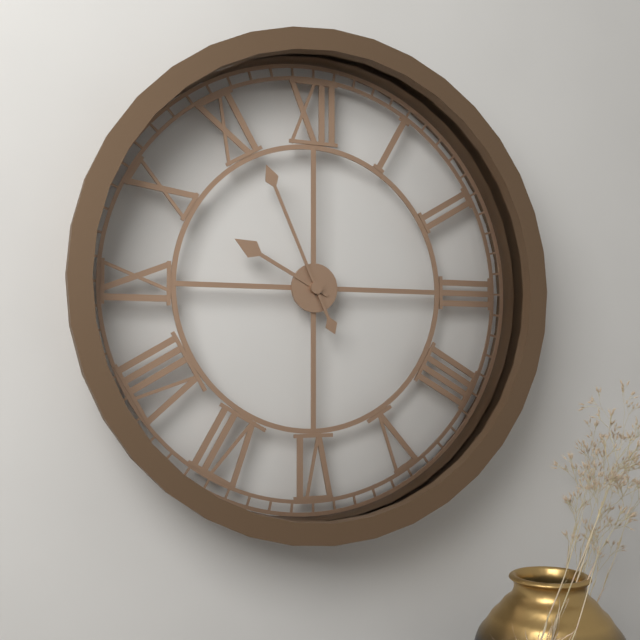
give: {"hour": 9, "minute": 56}
